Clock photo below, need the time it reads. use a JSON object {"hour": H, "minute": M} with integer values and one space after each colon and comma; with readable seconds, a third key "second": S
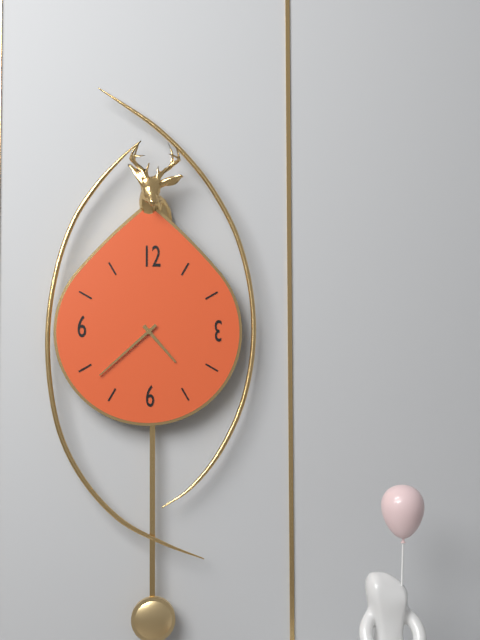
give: {"hour": 4, "minute": 38}
